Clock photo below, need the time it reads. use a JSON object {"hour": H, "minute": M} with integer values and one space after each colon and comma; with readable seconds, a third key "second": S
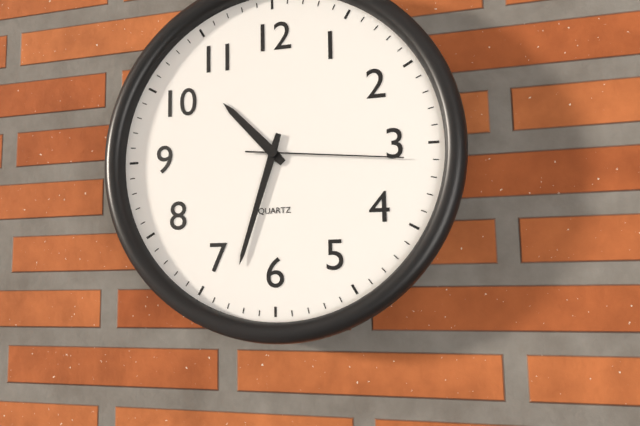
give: {"hour": 10, "minute": 33, "second": 16}
